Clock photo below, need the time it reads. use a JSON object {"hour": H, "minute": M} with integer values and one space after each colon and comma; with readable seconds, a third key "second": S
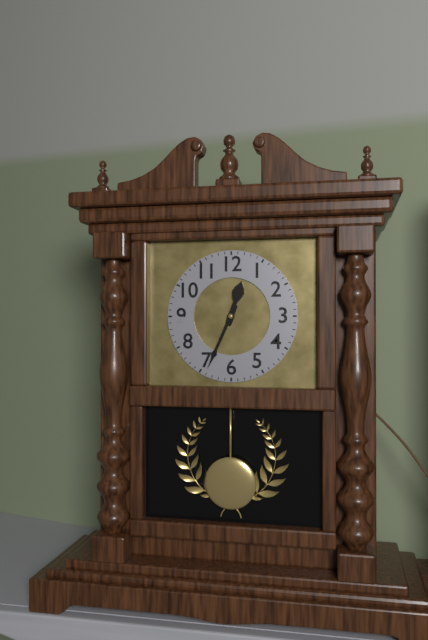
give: {"hour": 12, "minute": 34}
